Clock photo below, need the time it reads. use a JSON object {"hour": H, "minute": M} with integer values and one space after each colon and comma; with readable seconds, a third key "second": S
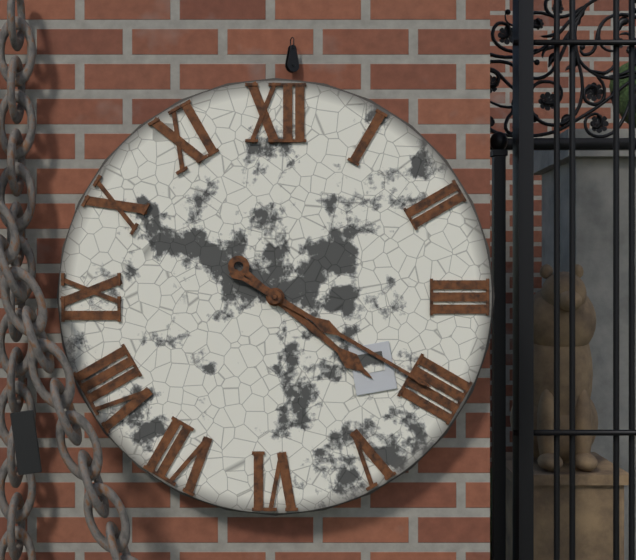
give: {"hour": 4, "minute": 20}
